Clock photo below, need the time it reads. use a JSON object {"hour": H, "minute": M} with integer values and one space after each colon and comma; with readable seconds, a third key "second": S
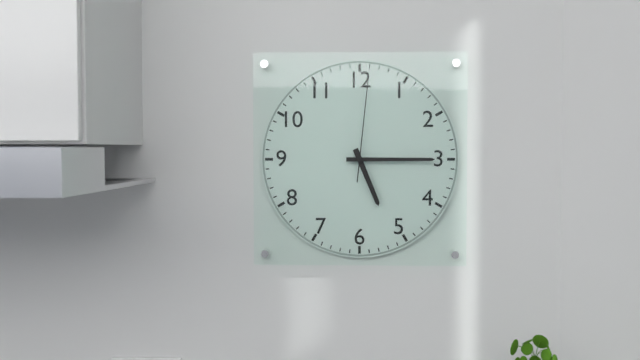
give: {"hour": 5, "minute": 15, "second": 1}
